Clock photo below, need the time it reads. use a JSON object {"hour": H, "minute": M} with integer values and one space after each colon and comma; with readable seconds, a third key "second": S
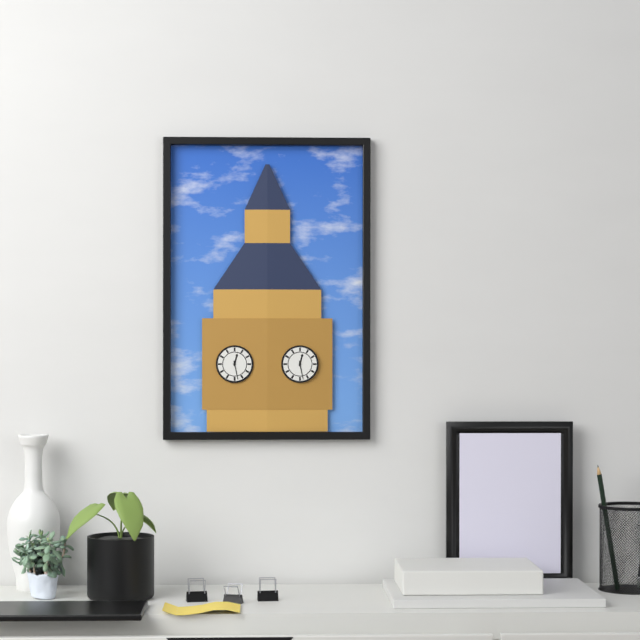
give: {"hour": 12, "minute": 28}
